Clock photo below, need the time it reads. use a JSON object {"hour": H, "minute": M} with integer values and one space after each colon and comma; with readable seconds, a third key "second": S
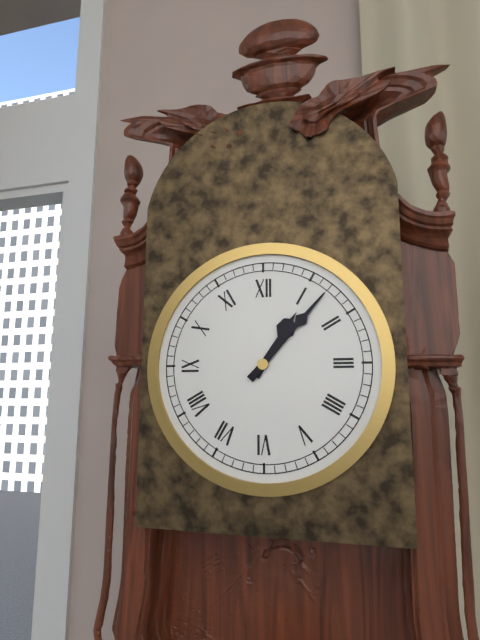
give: {"hour": 1, "minute": 7}
